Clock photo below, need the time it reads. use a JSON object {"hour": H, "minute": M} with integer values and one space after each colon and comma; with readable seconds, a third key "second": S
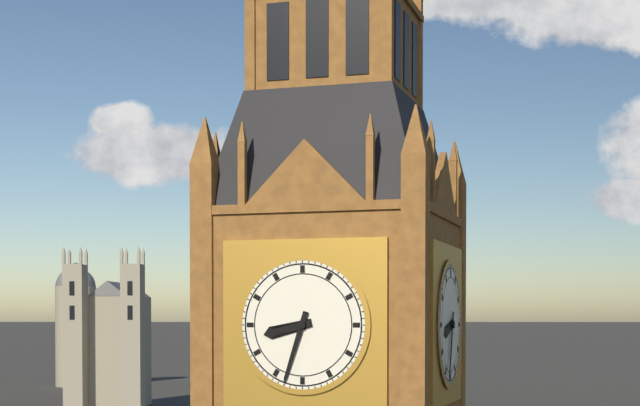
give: {"hour": 8, "minute": 33}
